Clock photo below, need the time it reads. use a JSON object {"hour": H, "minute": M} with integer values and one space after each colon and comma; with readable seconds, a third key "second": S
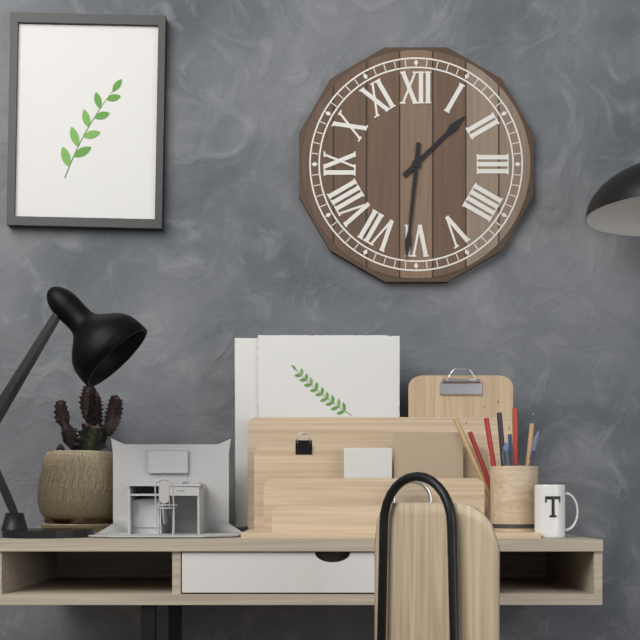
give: {"hour": 1, "minute": 31}
